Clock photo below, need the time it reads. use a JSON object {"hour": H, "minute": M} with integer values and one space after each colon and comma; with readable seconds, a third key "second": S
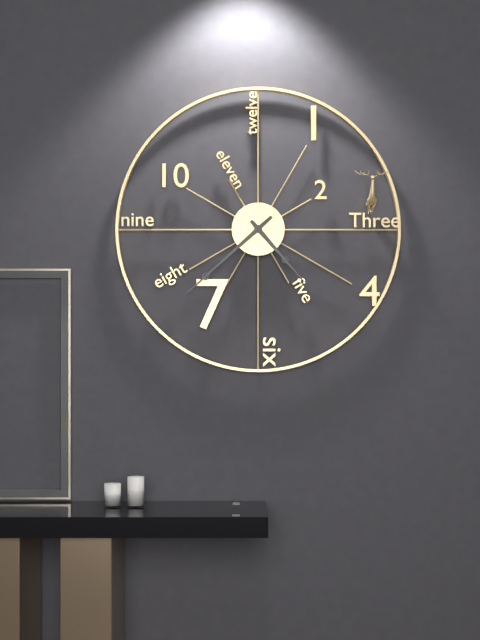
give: {"hour": 4, "minute": 38}
